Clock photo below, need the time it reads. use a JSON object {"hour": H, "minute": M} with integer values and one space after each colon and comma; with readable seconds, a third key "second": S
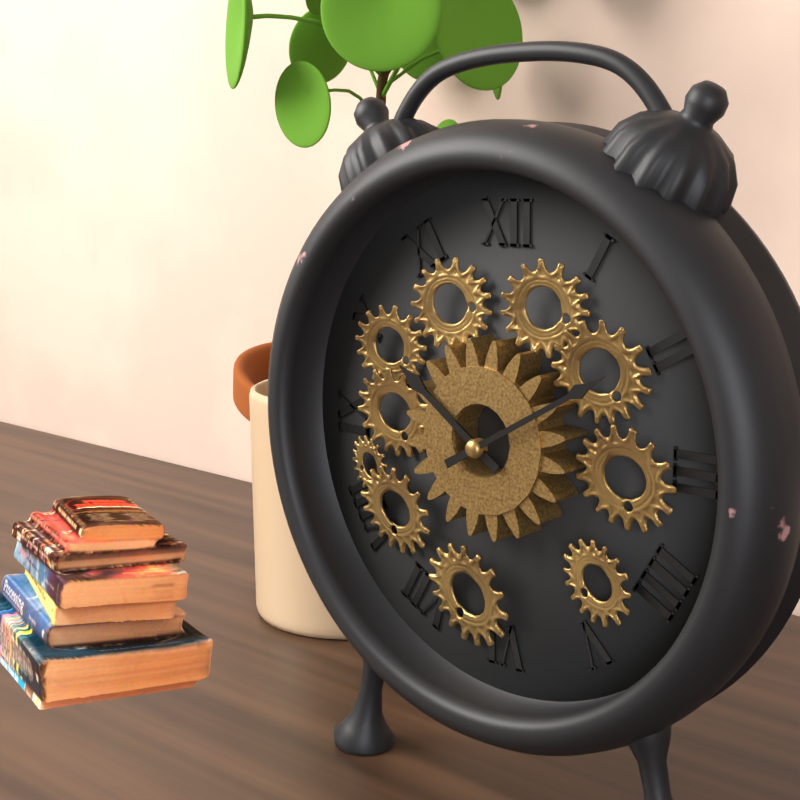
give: {"hour": 10, "minute": 10}
